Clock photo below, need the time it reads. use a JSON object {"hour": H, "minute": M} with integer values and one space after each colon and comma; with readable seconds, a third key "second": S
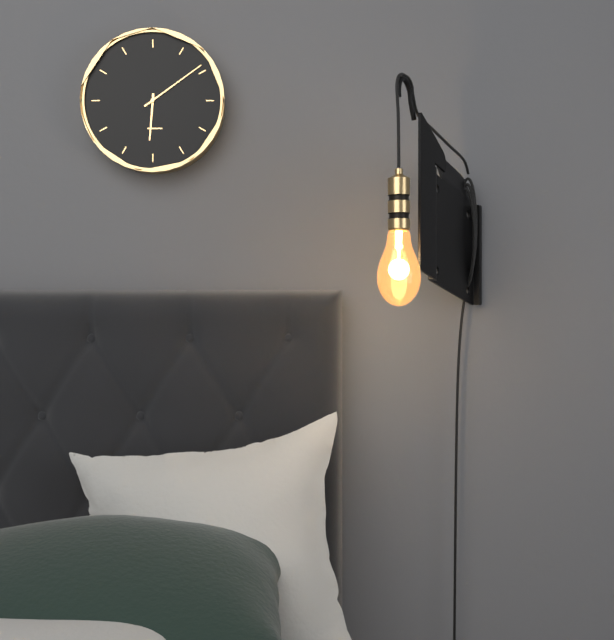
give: {"hour": 6, "minute": 9}
